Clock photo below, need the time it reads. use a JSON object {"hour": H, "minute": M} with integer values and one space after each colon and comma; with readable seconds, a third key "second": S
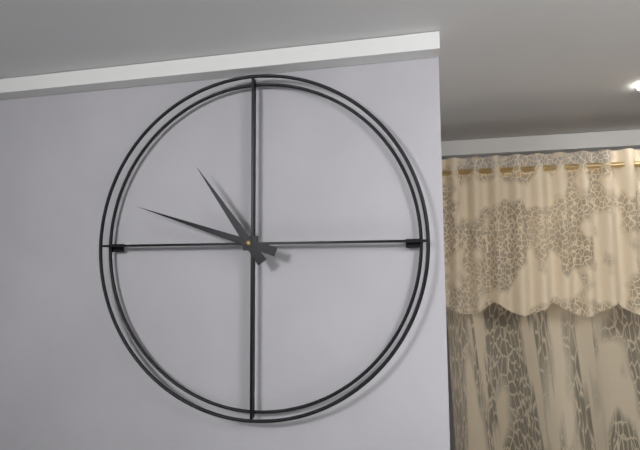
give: {"hour": 10, "minute": 48}
